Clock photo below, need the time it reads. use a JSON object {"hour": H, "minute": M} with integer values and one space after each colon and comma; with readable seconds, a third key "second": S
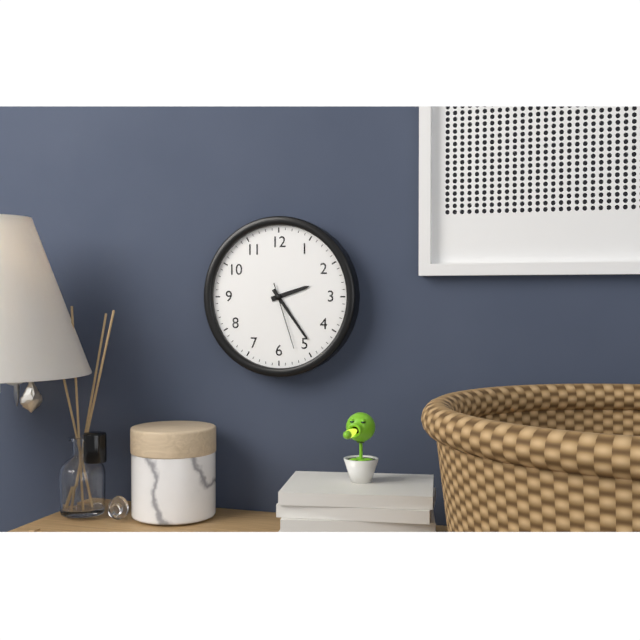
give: {"hour": 2, "minute": 24, "second": 27}
